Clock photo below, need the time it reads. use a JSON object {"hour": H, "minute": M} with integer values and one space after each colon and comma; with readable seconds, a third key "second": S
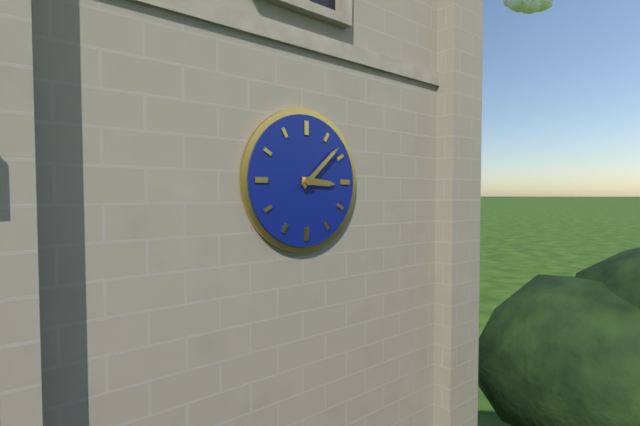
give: {"hour": 3, "minute": 8}
